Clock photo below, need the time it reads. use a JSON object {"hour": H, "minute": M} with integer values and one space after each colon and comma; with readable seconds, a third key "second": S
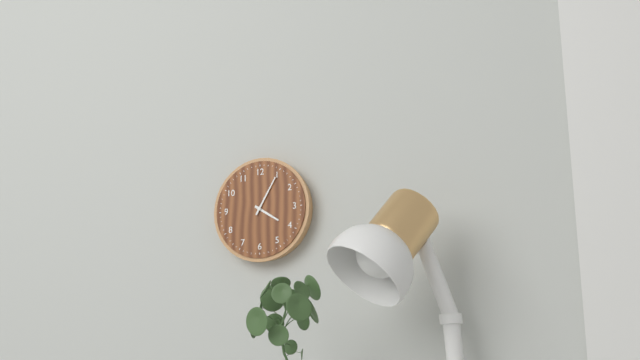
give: {"hour": 4, "minute": 5}
